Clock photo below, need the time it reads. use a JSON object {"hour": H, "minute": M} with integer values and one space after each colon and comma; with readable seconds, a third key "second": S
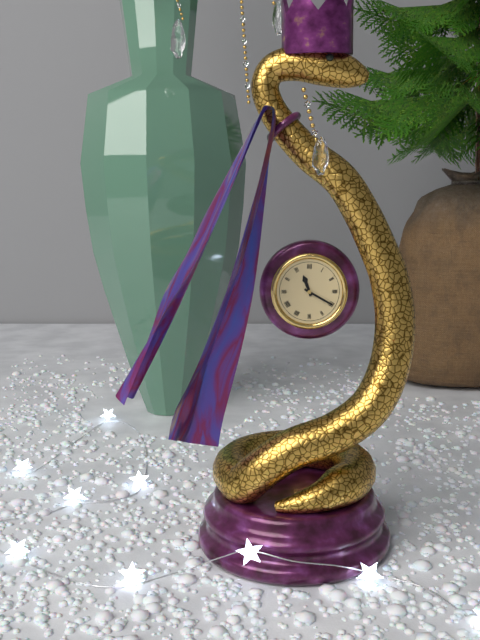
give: {"hour": 11, "minute": 20}
